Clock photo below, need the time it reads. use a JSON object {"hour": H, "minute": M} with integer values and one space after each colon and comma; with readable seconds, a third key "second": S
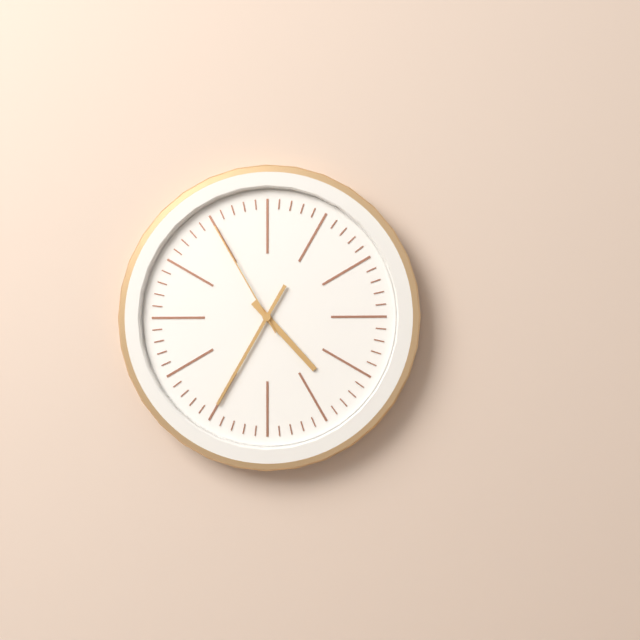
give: {"hour": 4, "minute": 35, "second": 55}
